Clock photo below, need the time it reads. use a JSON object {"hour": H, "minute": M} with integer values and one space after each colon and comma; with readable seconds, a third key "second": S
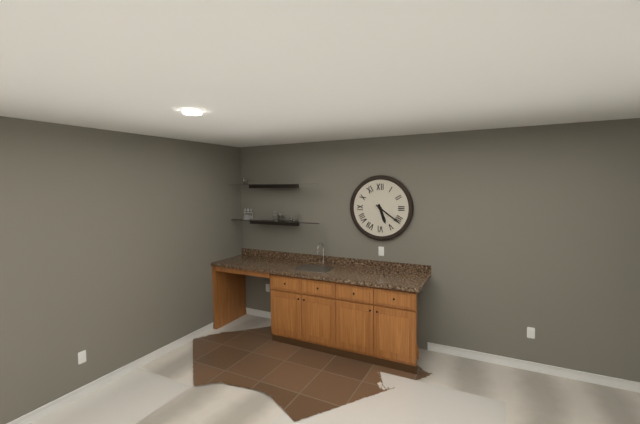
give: {"hour": 5, "minute": 21}
